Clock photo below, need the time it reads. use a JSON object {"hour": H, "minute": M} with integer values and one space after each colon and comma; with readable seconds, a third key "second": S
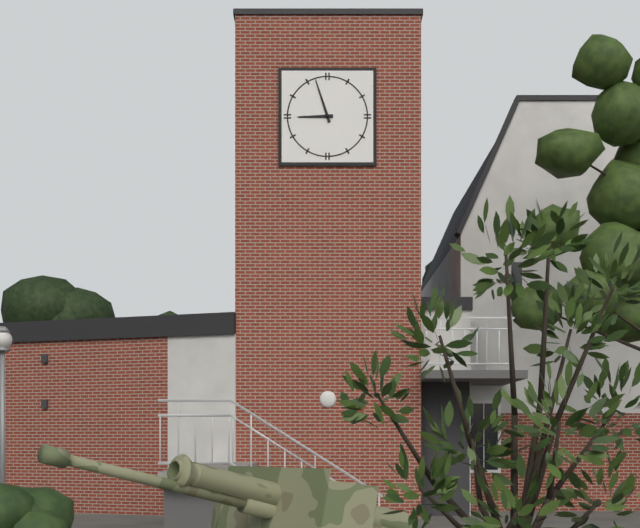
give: {"hour": 8, "minute": 57}
